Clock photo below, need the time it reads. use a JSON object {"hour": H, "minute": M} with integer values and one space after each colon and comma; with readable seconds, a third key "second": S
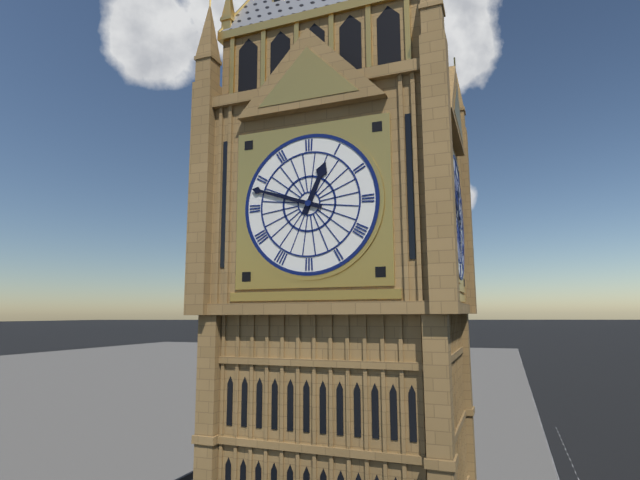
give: {"hour": 12, "minute": 48}
